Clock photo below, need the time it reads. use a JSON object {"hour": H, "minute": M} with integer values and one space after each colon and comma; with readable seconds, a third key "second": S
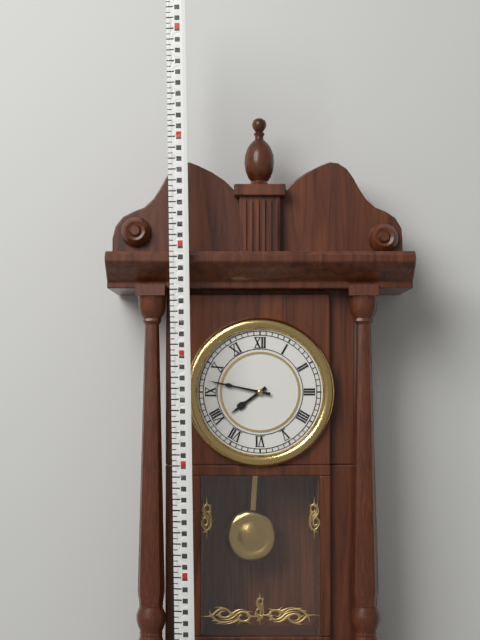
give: {"hour": 7, "minute": 47}
